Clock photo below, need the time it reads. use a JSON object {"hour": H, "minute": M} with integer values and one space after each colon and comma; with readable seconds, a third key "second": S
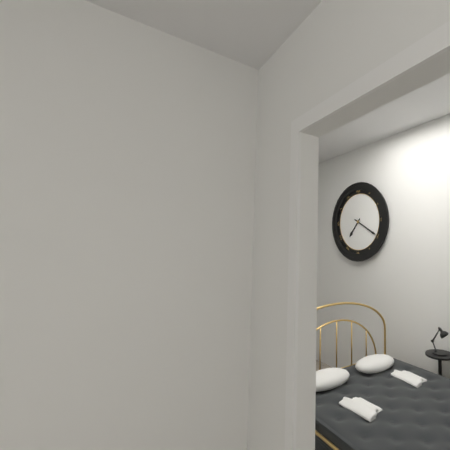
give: {"hour": 7, "minute": 20}
